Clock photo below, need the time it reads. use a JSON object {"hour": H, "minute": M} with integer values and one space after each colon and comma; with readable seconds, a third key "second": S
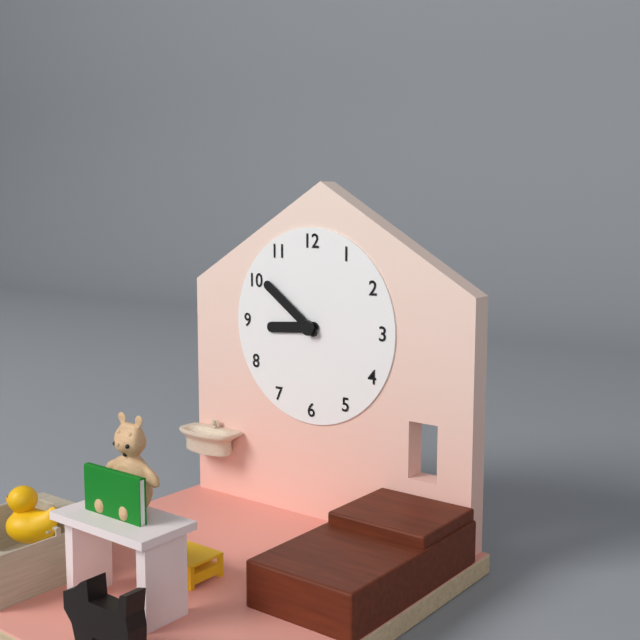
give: {"hour": 8, "minute": 51}
